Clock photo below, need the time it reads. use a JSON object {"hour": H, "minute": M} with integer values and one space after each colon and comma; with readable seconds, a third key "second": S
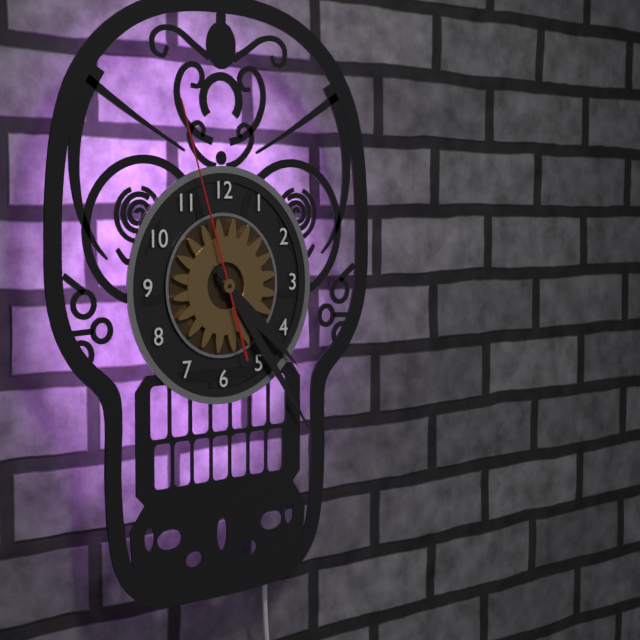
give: {"hour": 4, "minute": 24, "second": 57}
